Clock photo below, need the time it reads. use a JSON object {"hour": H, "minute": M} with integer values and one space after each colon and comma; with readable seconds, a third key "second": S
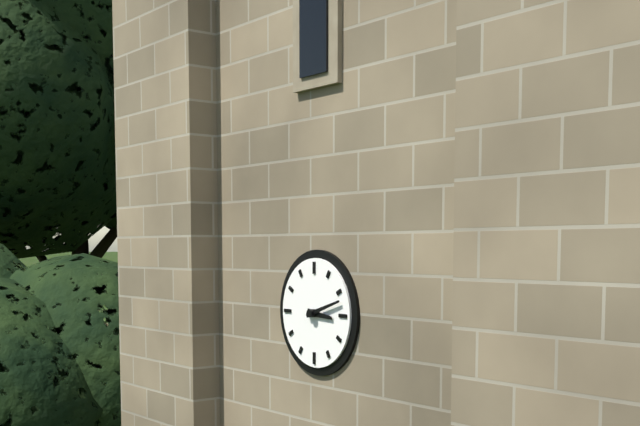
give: {"hour": 3, "minute": 12}
